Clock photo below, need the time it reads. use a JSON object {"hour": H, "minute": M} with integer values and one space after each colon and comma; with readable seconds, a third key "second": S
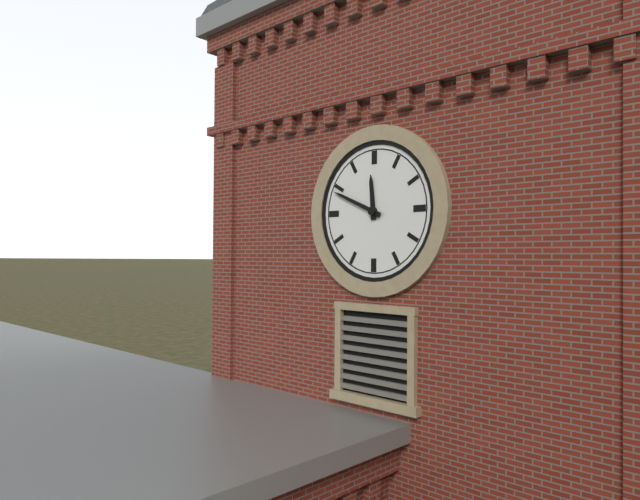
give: {"hour": 11, "minute": 49}
